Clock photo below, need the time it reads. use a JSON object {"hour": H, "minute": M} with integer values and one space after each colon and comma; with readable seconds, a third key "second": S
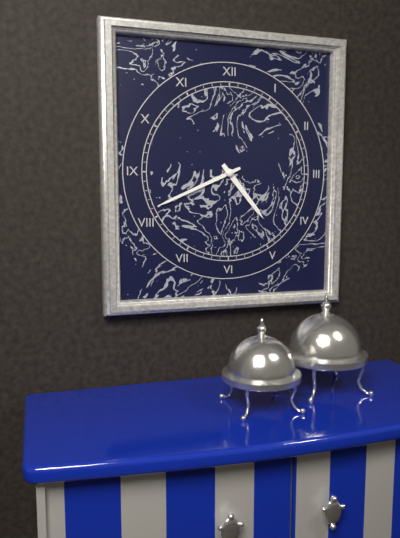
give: {"hour": 4, "minute": 41}
